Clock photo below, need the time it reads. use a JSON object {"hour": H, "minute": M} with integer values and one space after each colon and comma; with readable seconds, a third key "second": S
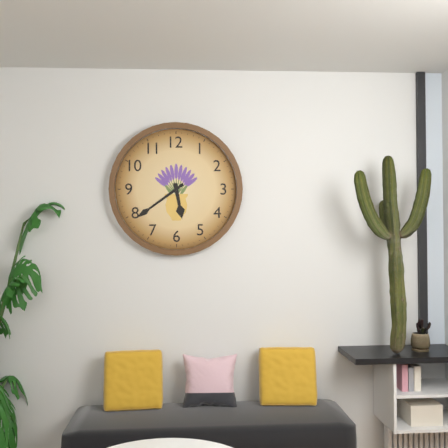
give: {"hour": 5, "minute": 39}
